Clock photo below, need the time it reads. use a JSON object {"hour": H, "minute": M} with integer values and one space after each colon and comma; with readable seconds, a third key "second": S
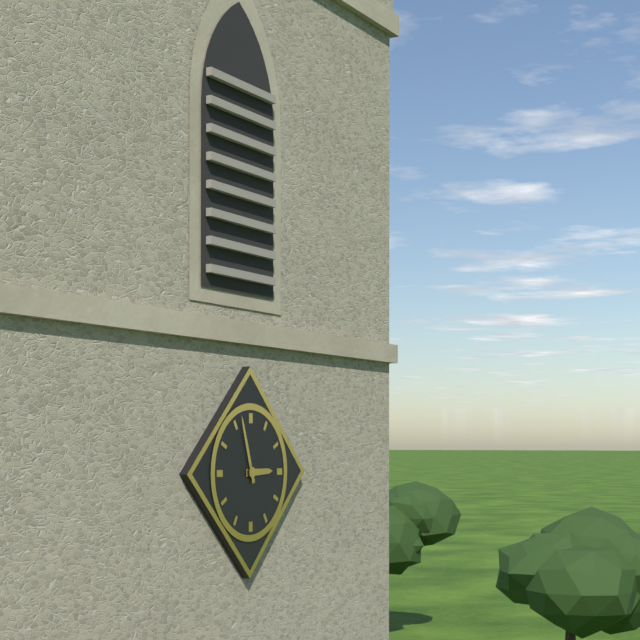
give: {"hour": 2, "minute": 57}
